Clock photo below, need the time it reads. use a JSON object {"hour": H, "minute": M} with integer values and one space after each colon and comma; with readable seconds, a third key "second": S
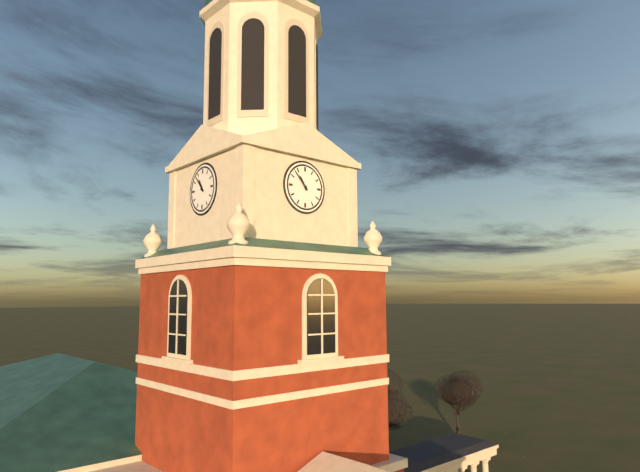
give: {"hour": 10, "minute": 53}
